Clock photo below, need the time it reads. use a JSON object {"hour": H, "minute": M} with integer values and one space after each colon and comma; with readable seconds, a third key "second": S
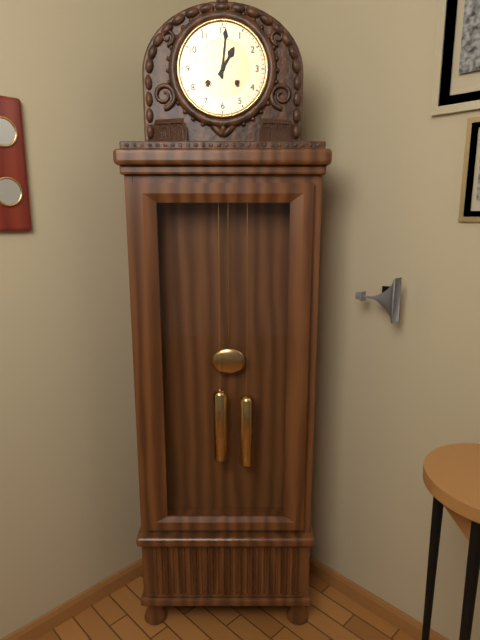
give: {"hour": 1, "minute": 1}
